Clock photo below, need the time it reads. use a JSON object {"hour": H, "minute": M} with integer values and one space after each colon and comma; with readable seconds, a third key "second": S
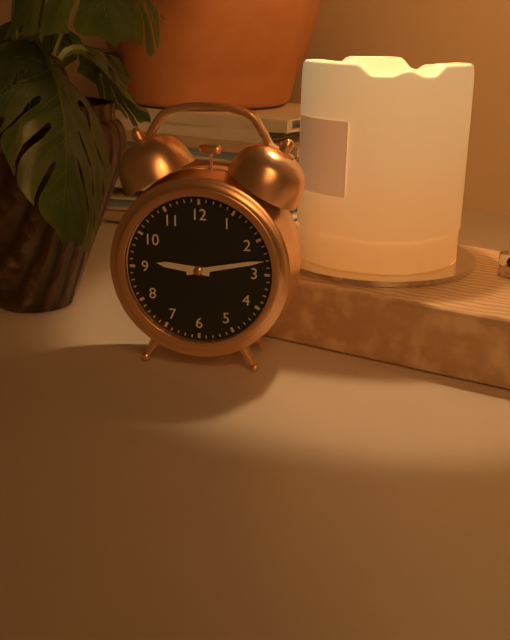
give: {"hour": 9, "minute": 13}
